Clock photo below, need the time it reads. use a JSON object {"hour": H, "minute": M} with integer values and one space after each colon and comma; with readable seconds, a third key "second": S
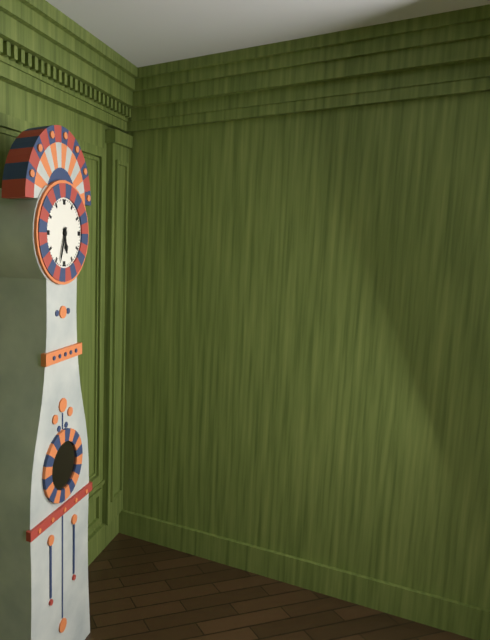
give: {"hour": 5, "minute": 33}
